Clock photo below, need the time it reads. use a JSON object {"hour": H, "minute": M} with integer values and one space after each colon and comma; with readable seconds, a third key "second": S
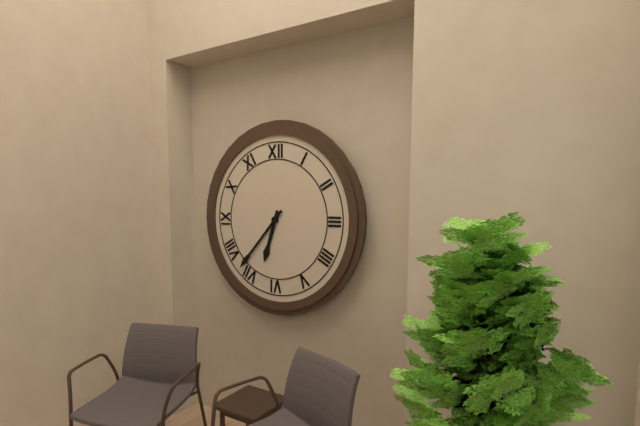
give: {"hour": 6, "minute": 37}
